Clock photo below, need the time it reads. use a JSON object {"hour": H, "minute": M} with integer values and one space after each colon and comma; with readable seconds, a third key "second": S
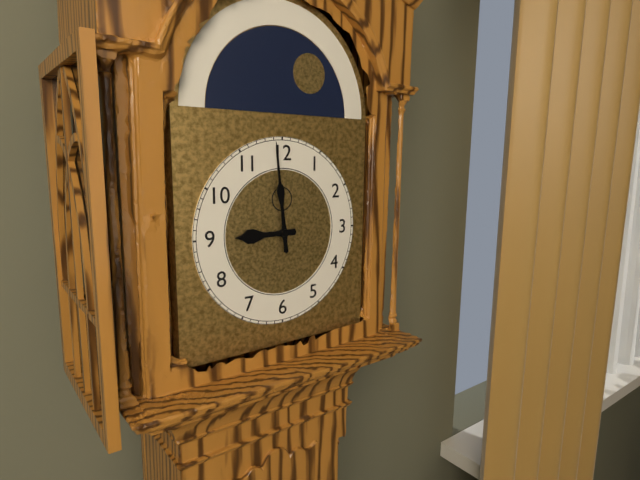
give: {"hour": 8, "minute": 59}
